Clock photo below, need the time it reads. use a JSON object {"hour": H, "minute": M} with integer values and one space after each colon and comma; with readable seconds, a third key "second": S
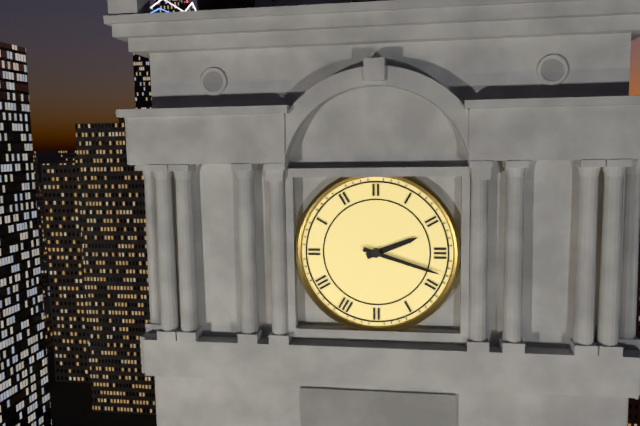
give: {"hour": 2, "minute": 18}
